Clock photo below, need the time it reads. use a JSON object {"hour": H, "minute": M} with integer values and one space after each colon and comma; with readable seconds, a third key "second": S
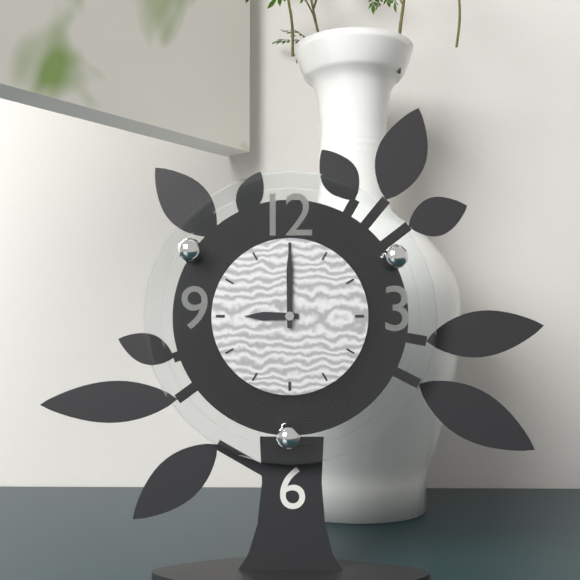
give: {"hour": 9, "minute": 0}
